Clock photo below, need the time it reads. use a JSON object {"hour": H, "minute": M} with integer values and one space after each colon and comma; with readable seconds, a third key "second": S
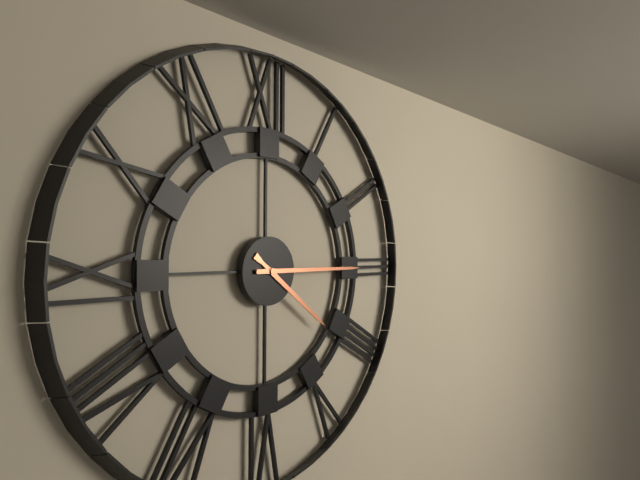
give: {"hour": 4, "minute": 15}
